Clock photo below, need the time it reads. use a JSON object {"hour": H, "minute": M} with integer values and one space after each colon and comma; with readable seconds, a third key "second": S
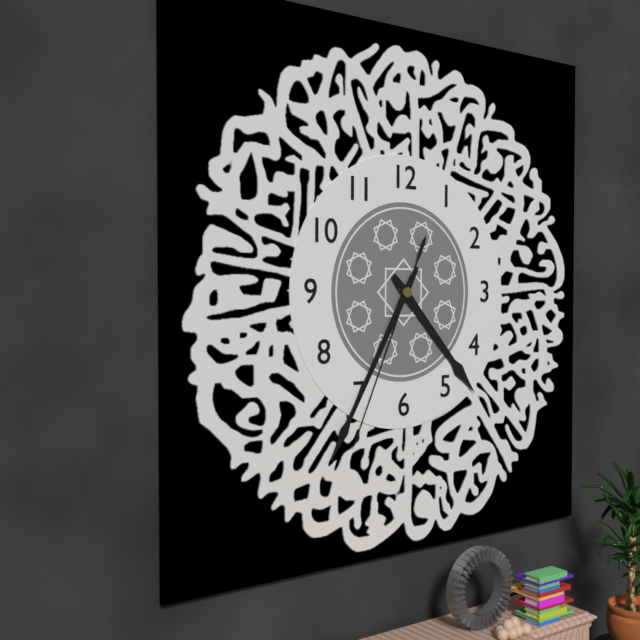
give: {"hour": 4, "minute": 35, "second": 34}
